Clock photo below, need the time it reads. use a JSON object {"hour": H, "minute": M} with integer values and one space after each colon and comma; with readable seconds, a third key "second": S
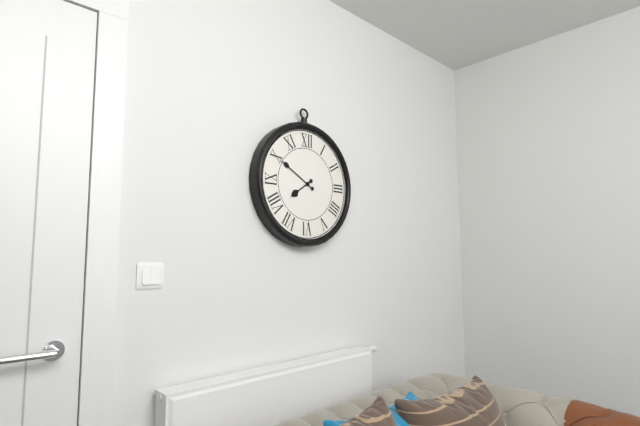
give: {"hour": 7, "minute": 50}
